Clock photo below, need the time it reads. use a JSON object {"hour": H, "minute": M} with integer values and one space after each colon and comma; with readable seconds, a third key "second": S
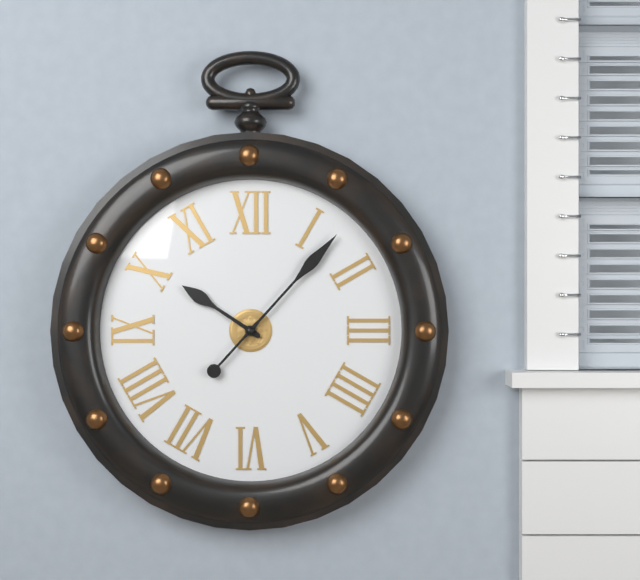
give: {"hour": 10, "minute": 7}
